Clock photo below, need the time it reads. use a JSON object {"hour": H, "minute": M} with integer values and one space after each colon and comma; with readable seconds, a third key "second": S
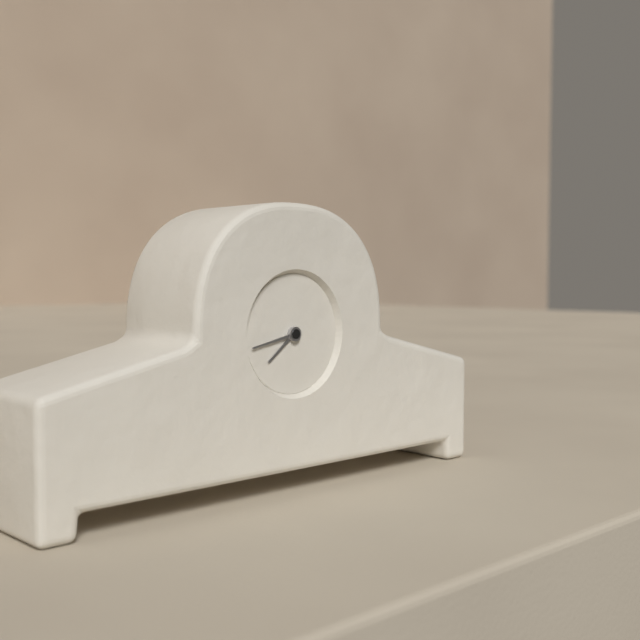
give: {"hour": 7, "minute": 43}
